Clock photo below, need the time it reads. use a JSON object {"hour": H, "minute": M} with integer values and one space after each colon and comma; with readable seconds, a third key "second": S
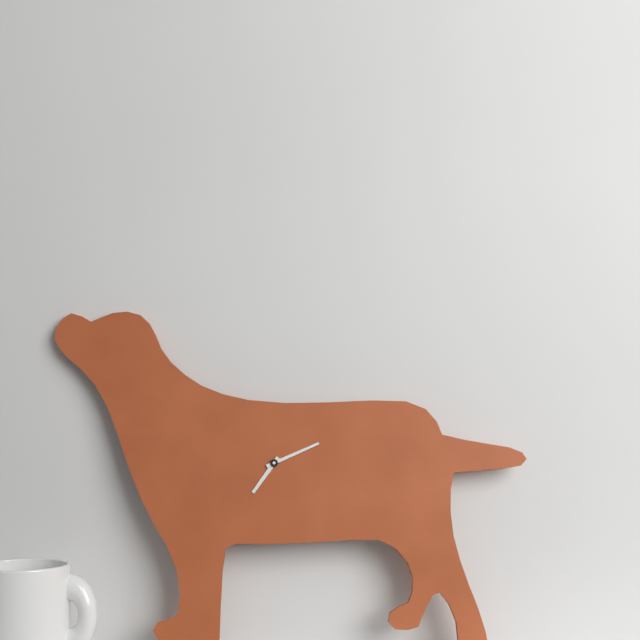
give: {"hour": 7, "minute": 11}
